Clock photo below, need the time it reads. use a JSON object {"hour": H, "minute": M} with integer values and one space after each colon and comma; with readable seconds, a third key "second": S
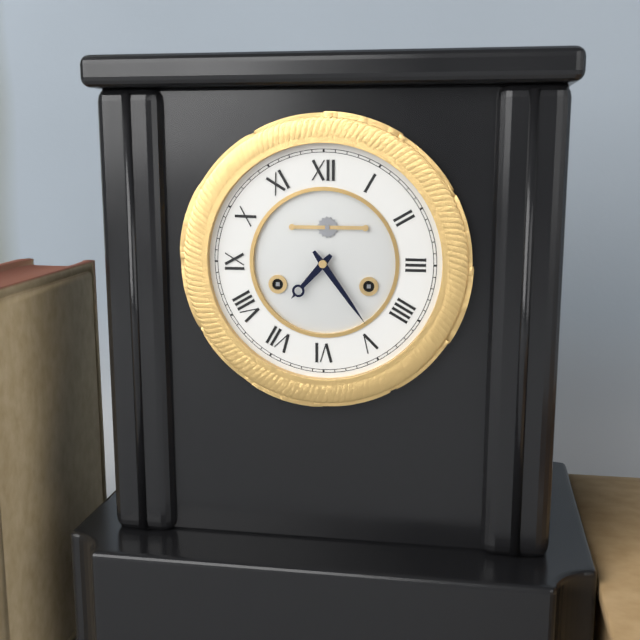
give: {"hour": 7, "minute": 24}
